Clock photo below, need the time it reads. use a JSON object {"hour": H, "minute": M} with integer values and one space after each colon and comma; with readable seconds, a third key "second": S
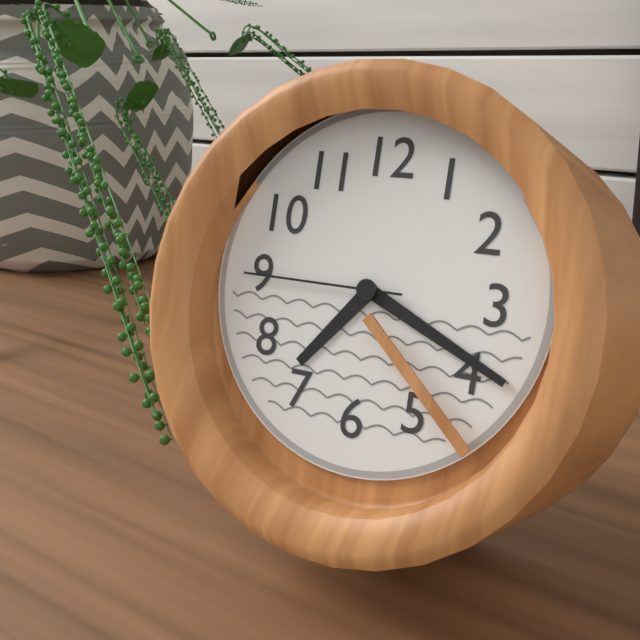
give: {"hour": 7, "minute": 19, "second": 45}
